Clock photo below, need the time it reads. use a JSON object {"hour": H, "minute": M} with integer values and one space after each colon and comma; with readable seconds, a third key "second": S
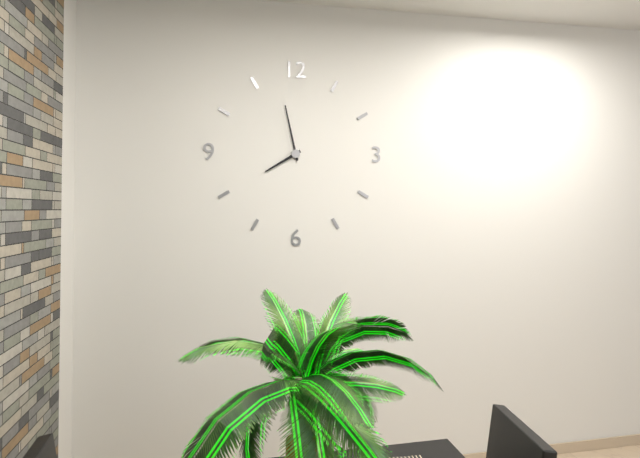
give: {"hour": 7, "minute": 58}
